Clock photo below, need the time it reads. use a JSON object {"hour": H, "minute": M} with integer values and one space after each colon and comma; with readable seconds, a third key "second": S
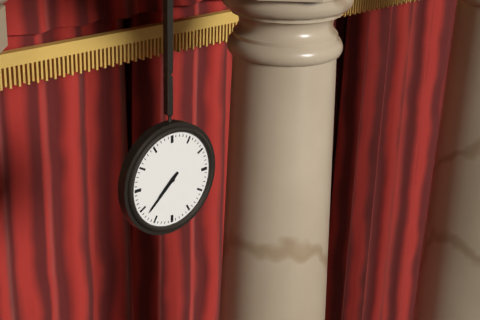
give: {"hour": 7, "minute": 38}
